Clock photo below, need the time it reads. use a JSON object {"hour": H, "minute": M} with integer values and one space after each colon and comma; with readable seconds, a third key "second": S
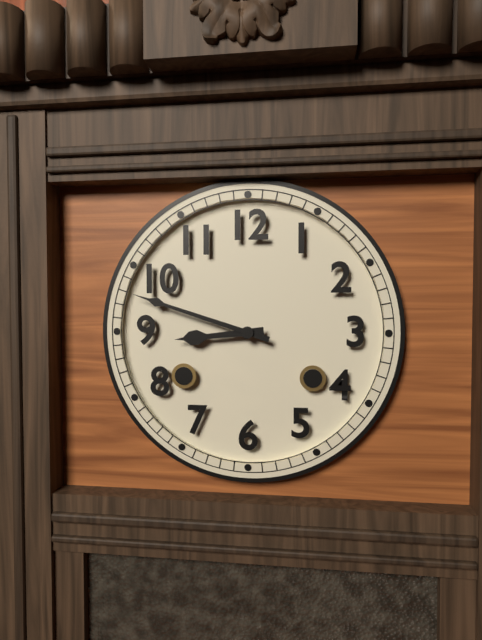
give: {"hour": 8, "minute": 48}
